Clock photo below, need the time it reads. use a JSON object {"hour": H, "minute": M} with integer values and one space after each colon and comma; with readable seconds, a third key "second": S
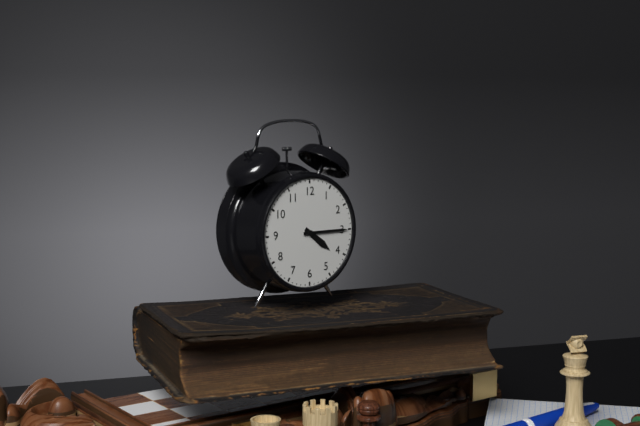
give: {"hour": 4, "minute": 15}
